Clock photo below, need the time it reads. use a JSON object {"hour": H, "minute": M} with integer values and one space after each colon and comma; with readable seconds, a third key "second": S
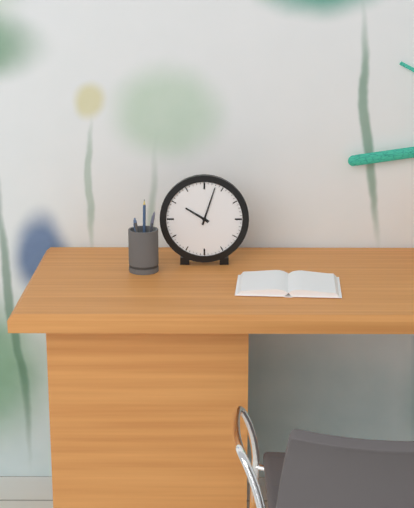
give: {"hour": 10, "minute": 3}
